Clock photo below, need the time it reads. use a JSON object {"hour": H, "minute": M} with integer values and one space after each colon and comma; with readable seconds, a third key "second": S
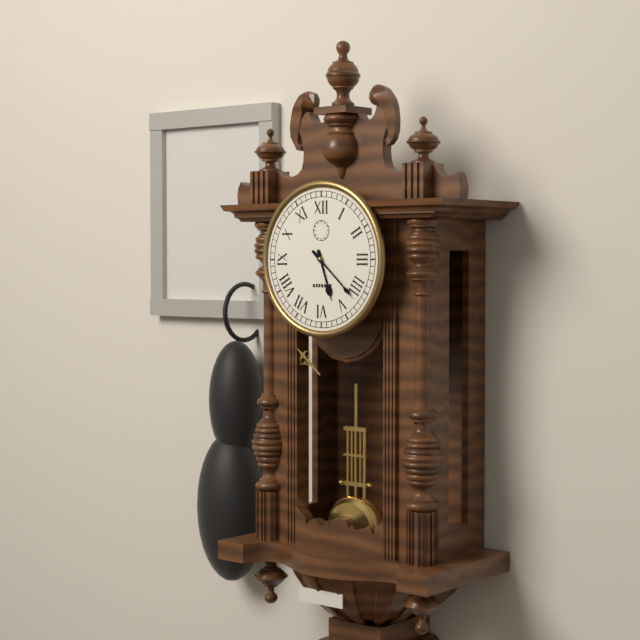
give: {"hour": 5, "minute": 22}
